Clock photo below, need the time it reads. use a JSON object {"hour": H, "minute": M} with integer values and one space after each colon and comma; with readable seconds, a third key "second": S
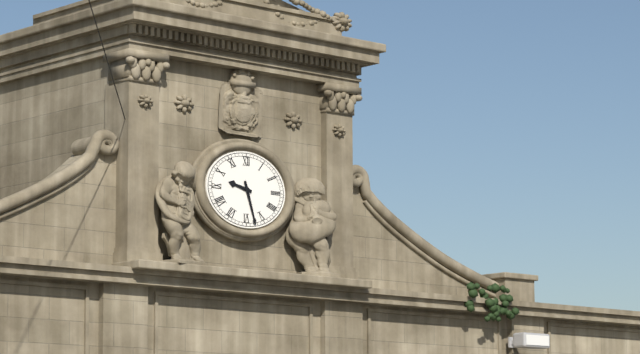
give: {"hour": 9, "minute": 27}
